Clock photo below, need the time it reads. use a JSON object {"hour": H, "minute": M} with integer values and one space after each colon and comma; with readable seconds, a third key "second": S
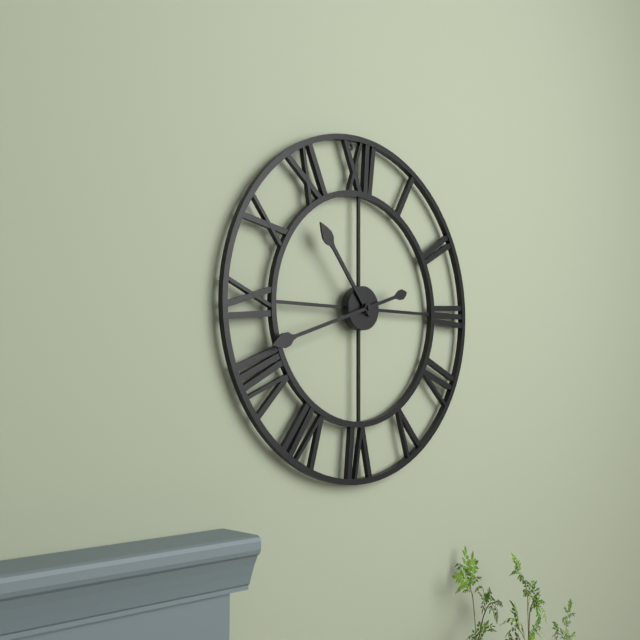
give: {"hour": 10, "minute": 42}
